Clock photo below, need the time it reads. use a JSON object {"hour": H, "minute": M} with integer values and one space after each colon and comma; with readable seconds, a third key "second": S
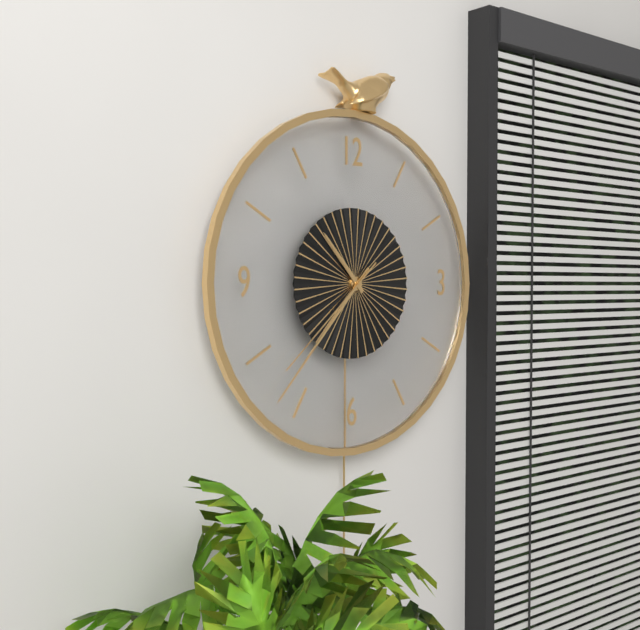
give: {"hour": 10, "minute": 37, "second": 38}
